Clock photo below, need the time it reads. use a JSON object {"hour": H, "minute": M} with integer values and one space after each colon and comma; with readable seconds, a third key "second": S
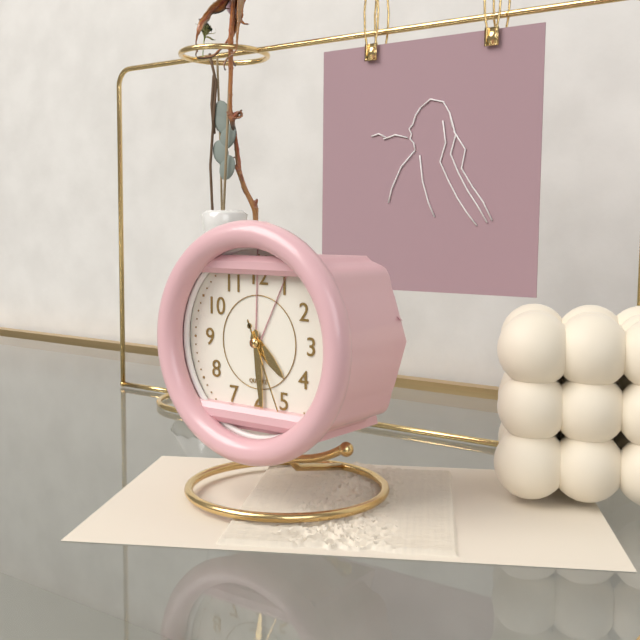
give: {"hour": 4, "minute": 29, "second": 26}
